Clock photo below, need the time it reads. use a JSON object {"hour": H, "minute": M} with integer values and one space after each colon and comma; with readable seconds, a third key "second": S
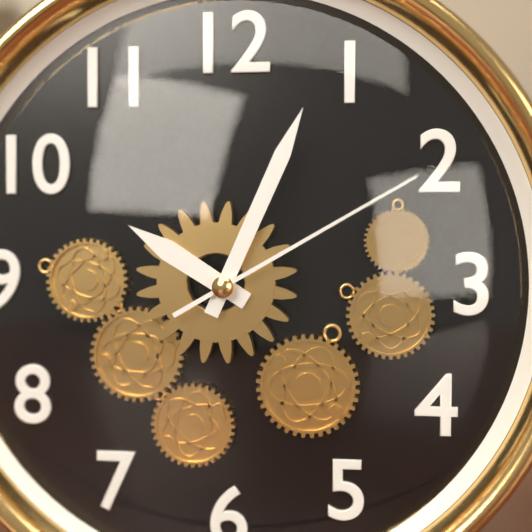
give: {"hour": 10, "minute": 4, "second": 10}
